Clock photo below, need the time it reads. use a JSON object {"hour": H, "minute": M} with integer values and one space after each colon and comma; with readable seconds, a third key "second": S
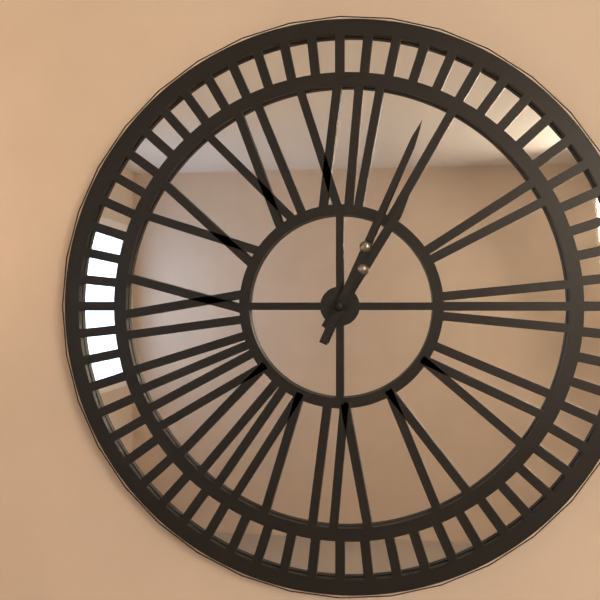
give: {"hour": 1, "minute": 4}
